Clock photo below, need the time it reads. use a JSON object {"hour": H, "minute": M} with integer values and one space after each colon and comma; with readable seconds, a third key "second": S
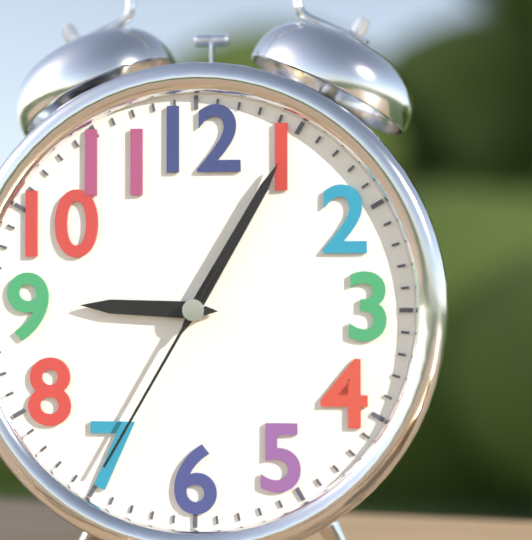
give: {"hour": 9, "minute": 5, "second": 35}
